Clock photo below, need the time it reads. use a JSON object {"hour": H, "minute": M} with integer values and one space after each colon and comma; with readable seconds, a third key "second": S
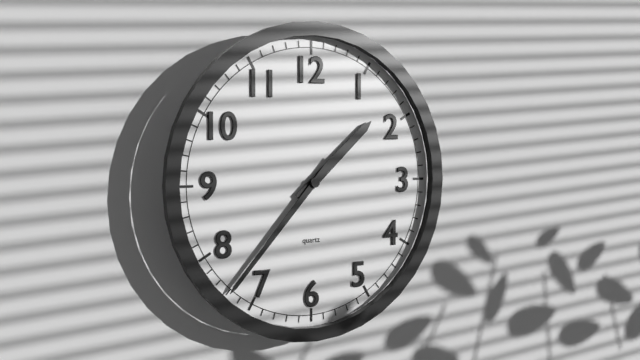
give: {"hour": 1, "minute": 37}
